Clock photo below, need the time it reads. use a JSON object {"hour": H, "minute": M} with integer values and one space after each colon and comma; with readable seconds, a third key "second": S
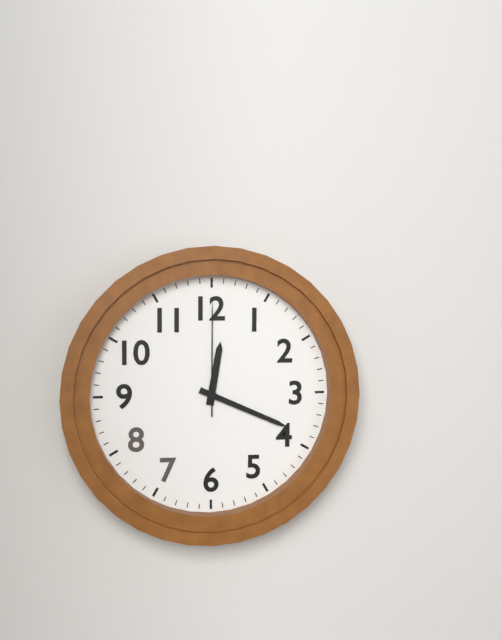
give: {"hour": 12, "minute": 19, "second": 0}
